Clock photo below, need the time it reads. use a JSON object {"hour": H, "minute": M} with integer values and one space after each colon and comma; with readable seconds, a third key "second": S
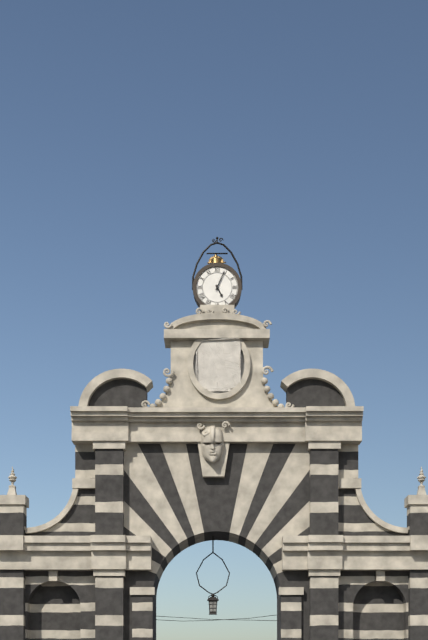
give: {"hour": 5, "minute": 4}
